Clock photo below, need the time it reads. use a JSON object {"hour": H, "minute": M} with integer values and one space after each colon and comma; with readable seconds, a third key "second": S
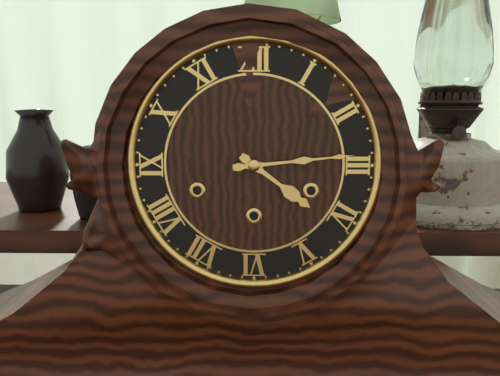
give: {"hour": 4, "minute": 14}
